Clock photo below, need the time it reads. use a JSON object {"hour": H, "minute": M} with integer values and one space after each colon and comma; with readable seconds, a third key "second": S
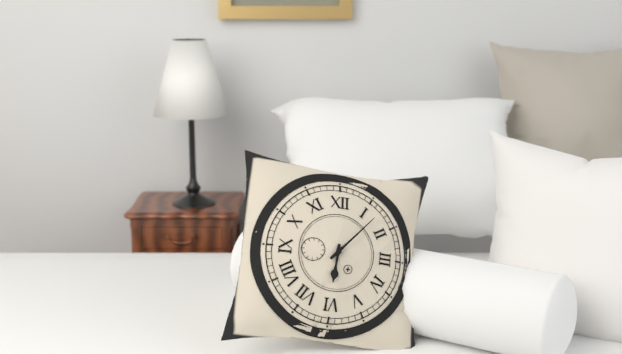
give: {"hour": 6, "minute": 7}
